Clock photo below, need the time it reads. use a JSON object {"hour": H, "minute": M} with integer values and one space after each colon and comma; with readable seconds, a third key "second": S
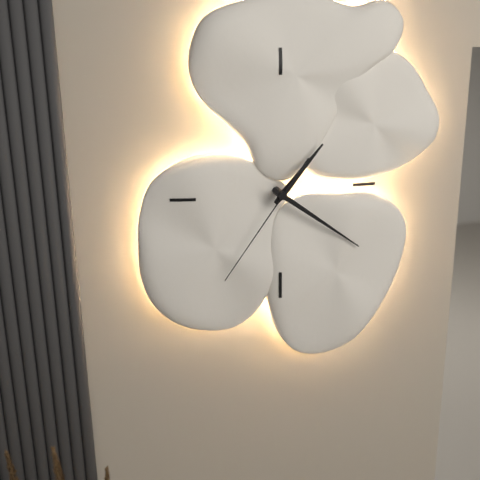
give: {"hour": 1, "minute": 21, "second": 36}
